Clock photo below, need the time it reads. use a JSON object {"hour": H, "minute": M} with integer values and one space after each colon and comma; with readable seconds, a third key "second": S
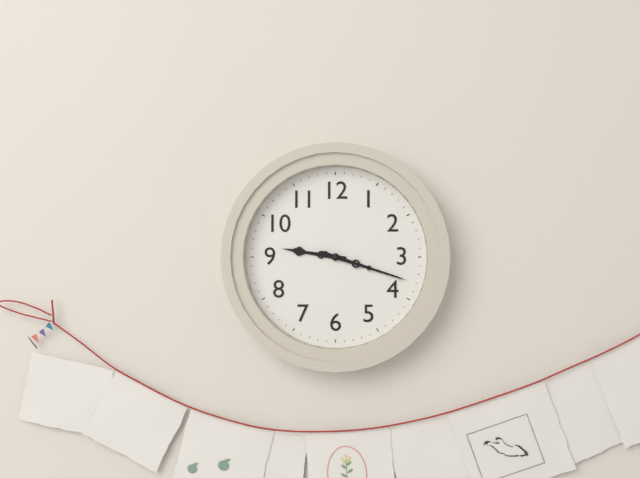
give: {"hour": 9, "minute": 18}
